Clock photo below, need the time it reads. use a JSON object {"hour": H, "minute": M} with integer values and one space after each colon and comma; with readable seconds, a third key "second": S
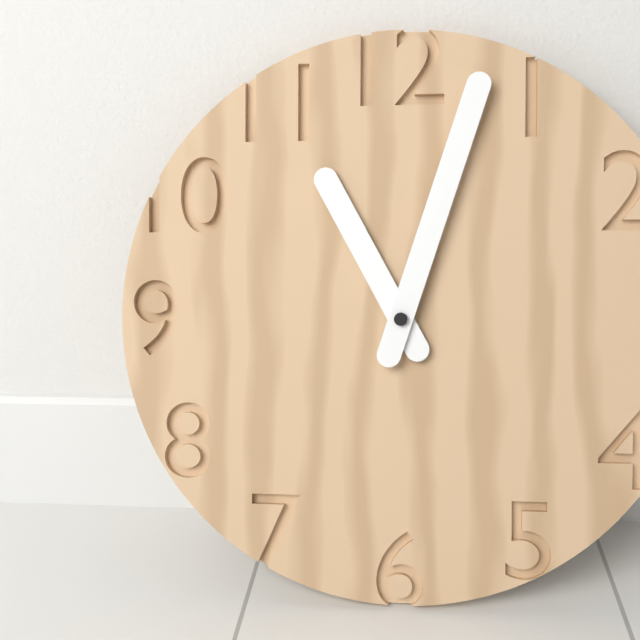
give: {"hour": 11, "minute": 3}
